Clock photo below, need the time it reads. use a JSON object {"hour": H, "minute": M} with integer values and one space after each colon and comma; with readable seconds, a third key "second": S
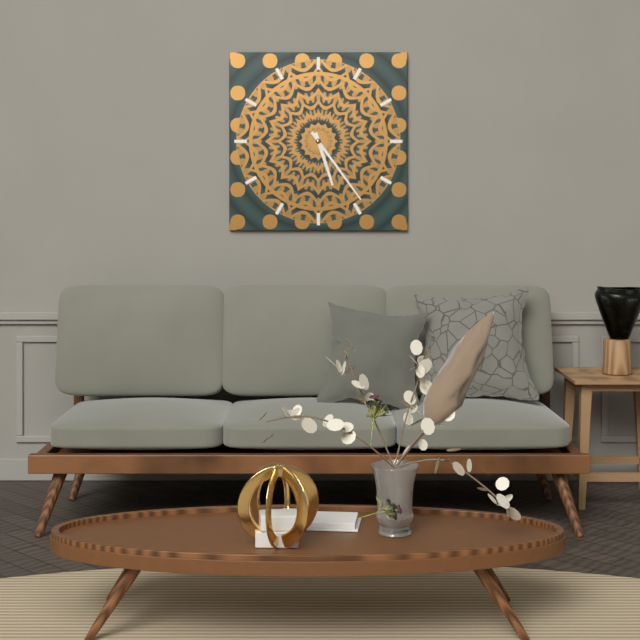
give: {"hour": 5, "minute": 24}
